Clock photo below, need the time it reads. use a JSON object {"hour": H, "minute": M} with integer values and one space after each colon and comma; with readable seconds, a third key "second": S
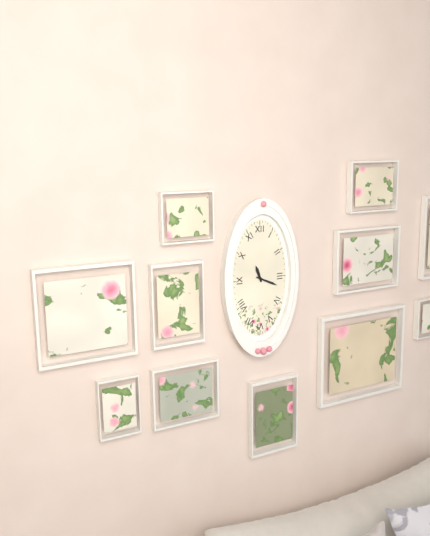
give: {"hour": 11, "minute": 19}
